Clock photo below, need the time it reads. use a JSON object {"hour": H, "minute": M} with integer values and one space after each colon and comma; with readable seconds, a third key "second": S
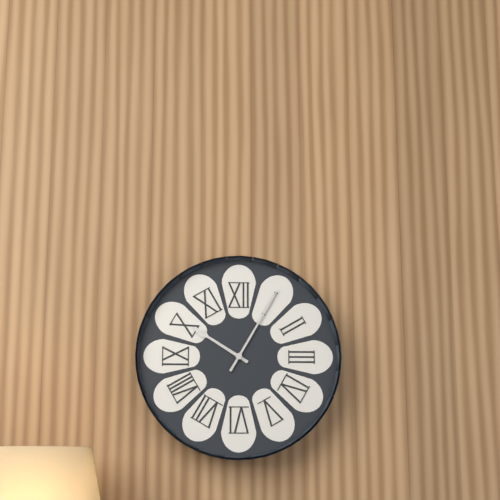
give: {"hour": 10, "minute": 5}
